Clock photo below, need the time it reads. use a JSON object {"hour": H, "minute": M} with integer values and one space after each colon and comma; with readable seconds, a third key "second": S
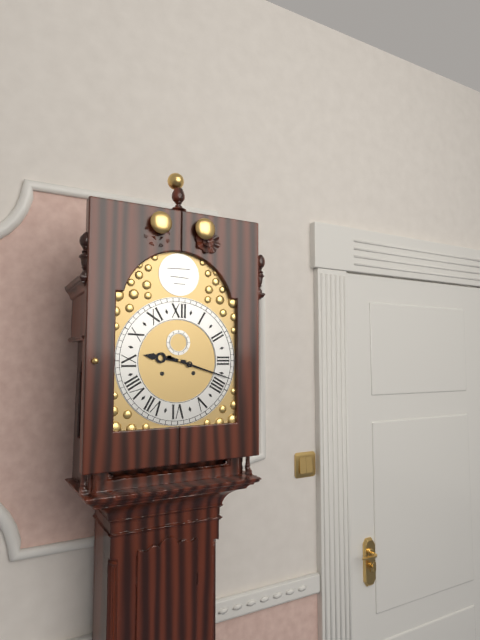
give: {"hour": 9, "minute": 18}
